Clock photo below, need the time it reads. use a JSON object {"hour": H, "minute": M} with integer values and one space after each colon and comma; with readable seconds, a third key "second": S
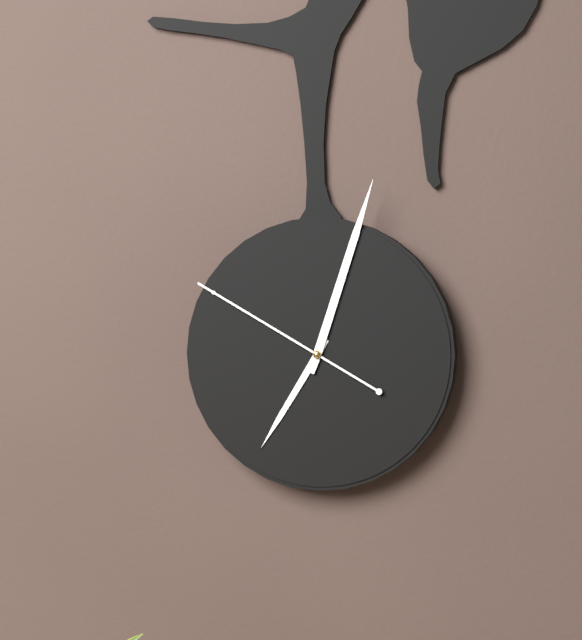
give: {"hour": 7, "minute": 3, "second": 50}
